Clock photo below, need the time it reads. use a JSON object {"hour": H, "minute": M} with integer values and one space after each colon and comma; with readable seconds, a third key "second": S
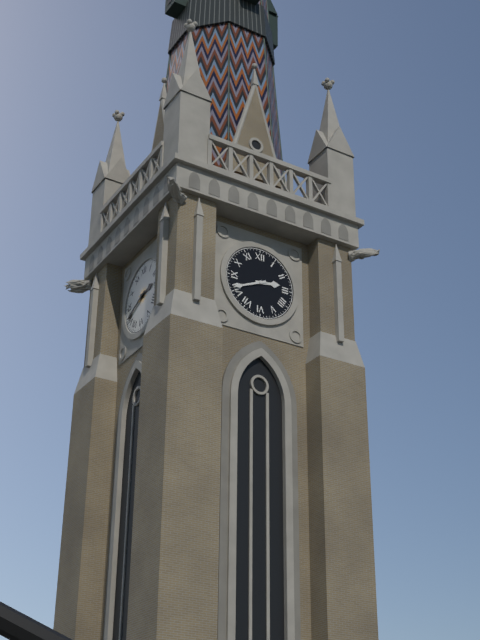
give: {"hour": 2, "minute": 41}
